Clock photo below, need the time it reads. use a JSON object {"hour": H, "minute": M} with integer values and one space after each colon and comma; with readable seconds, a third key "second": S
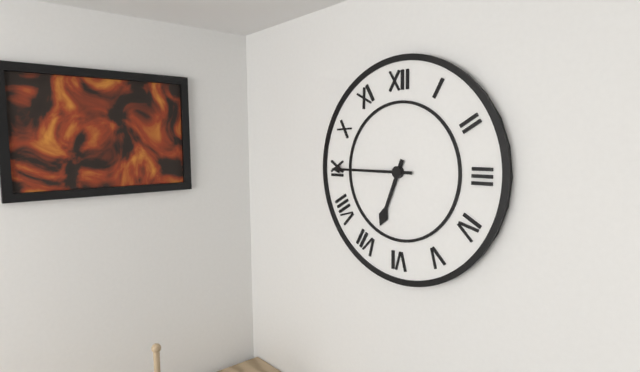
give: {"hour": 6, "minute": 45}
